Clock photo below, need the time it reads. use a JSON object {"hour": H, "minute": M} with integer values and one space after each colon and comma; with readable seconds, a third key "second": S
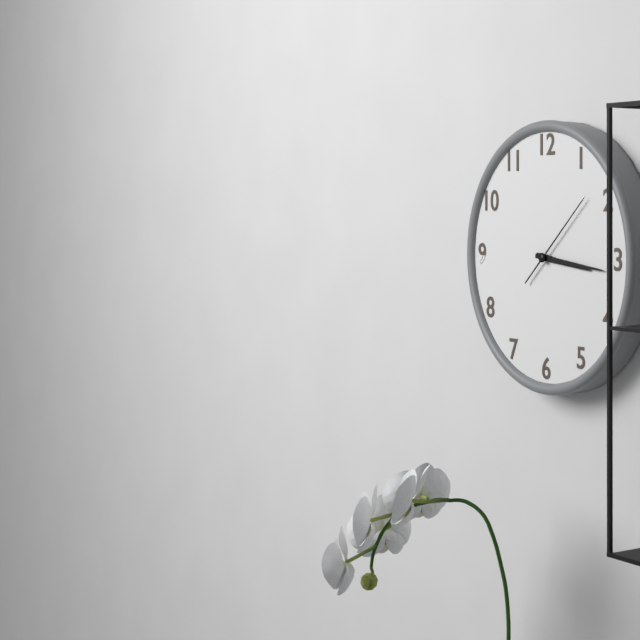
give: {"hour": 3, "minute": 16, "second": 8}
